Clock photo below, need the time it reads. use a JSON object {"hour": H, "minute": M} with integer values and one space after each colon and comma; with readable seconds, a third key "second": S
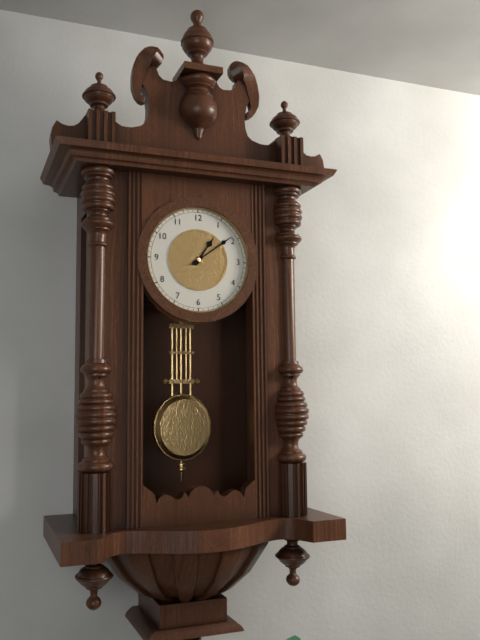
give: {"hour": 1, "minute": 9}
